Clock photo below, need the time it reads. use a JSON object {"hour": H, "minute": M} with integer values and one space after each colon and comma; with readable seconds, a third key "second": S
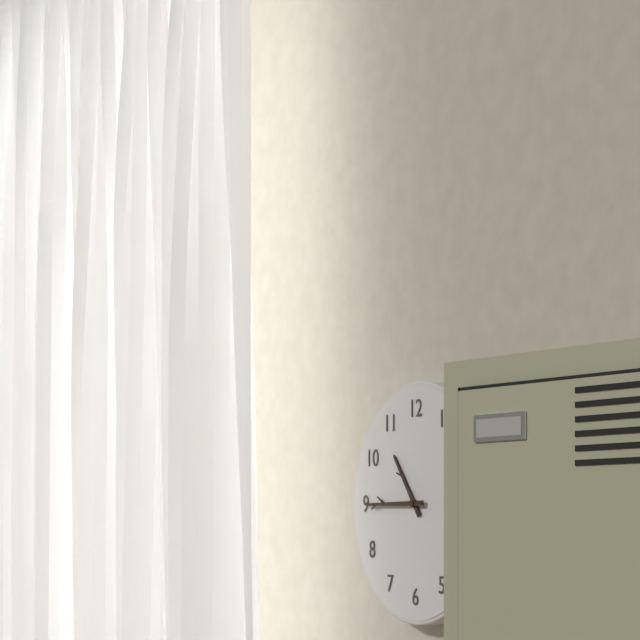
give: {"hour": 10, "minute": 45}
